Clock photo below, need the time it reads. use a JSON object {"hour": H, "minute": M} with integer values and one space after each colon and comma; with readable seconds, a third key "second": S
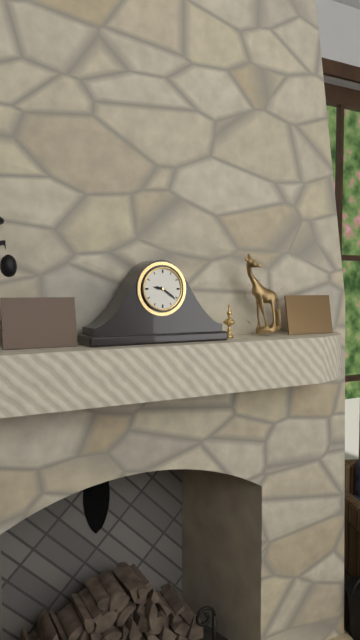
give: {"hour": 9, "minute": 21}
